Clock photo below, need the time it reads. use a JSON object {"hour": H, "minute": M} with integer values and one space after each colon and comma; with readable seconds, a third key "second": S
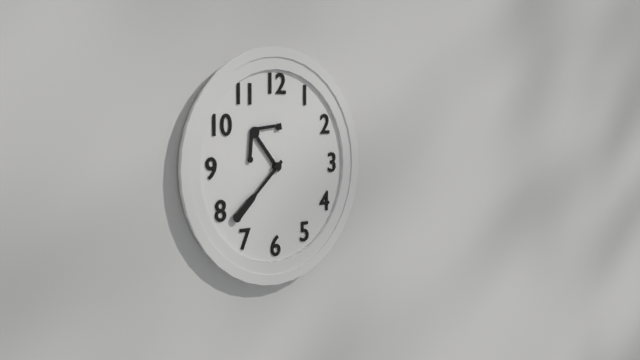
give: {"hour": 10, "minute": 38}
